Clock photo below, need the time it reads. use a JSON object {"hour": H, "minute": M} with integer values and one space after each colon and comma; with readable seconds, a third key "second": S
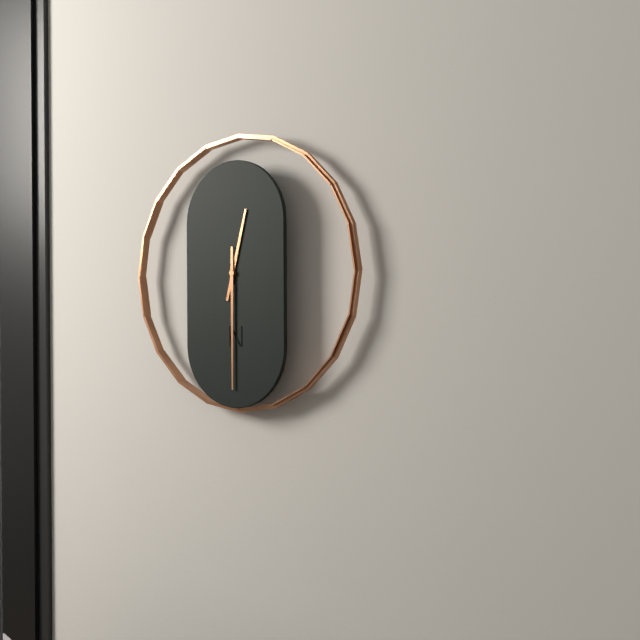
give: {"hour": 12, "minute": 30}
